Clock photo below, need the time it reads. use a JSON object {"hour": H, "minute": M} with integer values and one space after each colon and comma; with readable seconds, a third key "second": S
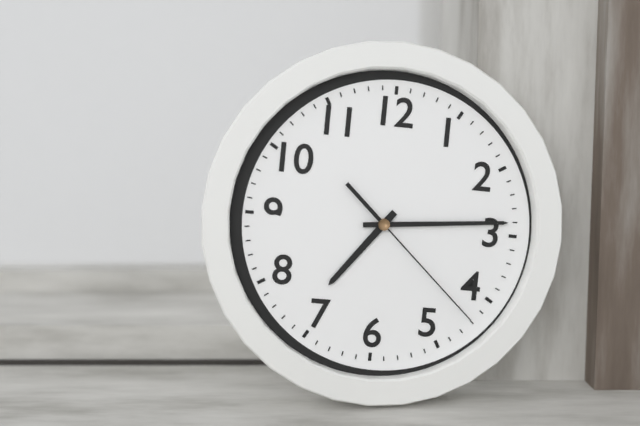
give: {"hour": 7, "minute": 14, "second": 22}
